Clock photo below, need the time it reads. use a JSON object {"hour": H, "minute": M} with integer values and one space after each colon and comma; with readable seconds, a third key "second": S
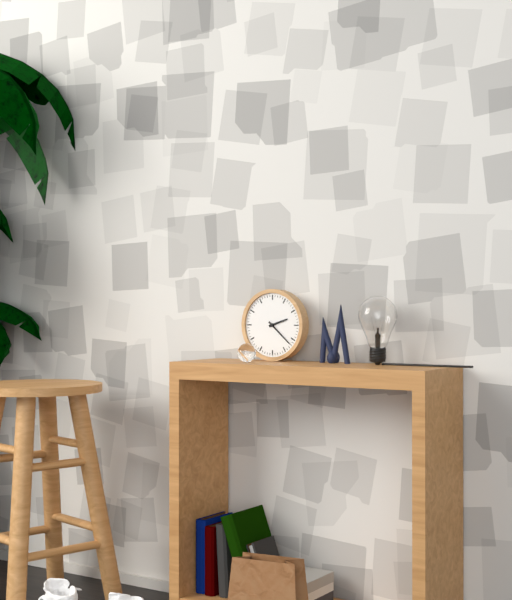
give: {"hour": 2, "minute": 22}
